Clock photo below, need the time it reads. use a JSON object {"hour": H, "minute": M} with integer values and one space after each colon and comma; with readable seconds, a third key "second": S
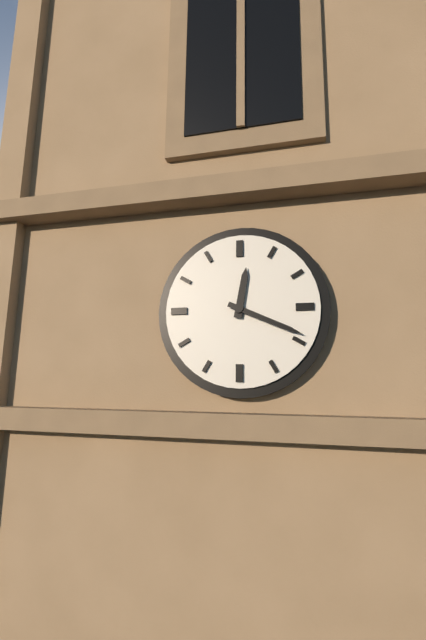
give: {"hour": 12, "minute": 19}
